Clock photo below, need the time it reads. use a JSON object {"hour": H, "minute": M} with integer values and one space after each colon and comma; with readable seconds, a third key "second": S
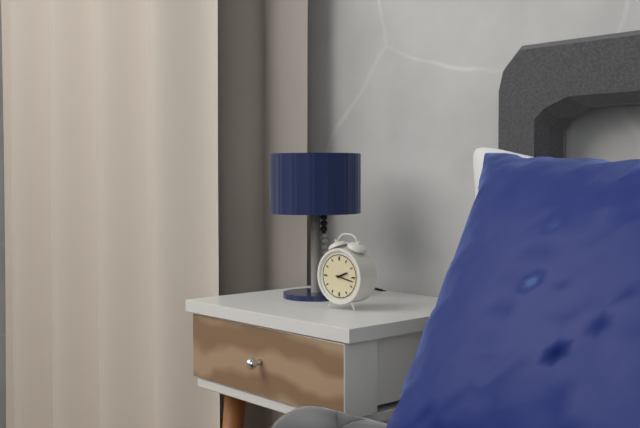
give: {"hour": 2, "minute": 17}
